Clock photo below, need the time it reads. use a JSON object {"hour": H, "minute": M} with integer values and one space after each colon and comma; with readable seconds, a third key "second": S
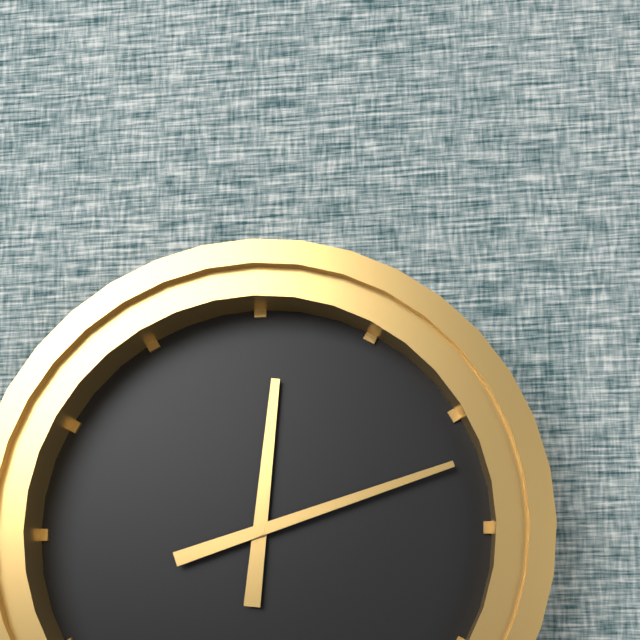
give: {"hour": 12, "minute": 12}
